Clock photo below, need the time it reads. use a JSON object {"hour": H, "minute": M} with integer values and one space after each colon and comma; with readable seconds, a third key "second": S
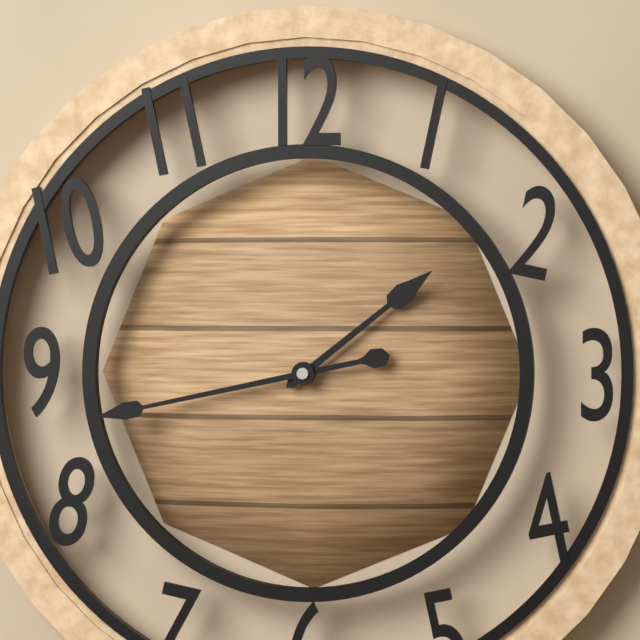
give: {"hour": 1, "minute": 43}
